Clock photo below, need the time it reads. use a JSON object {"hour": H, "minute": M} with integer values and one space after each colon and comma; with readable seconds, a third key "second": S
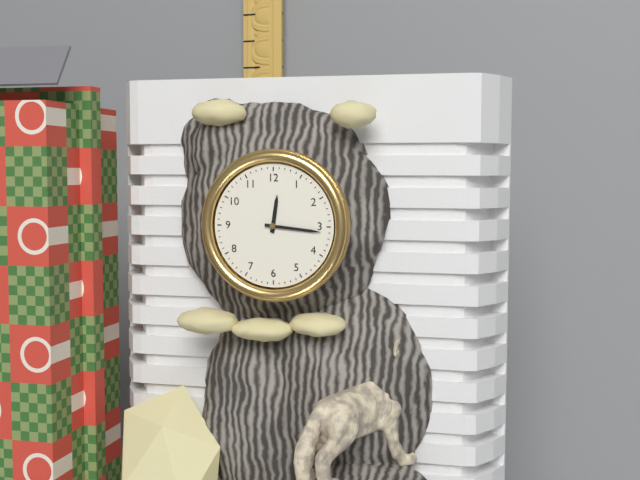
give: {"hour": 12, "minute": 16}
